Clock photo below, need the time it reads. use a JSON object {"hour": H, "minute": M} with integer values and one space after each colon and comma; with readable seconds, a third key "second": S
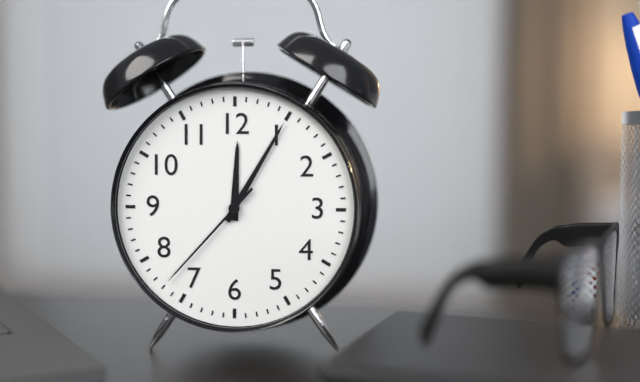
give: {"hour": 12, "minute": 5, "second": 37}
